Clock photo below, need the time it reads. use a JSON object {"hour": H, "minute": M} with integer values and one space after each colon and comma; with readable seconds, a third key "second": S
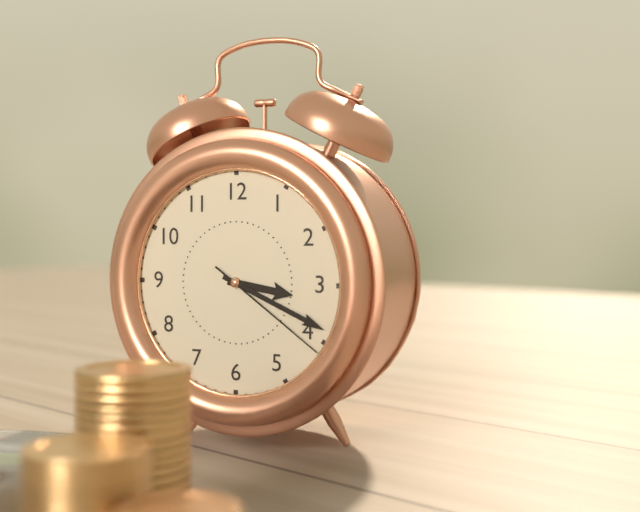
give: {"hour": 3, "minute": 19, "second": 21}
